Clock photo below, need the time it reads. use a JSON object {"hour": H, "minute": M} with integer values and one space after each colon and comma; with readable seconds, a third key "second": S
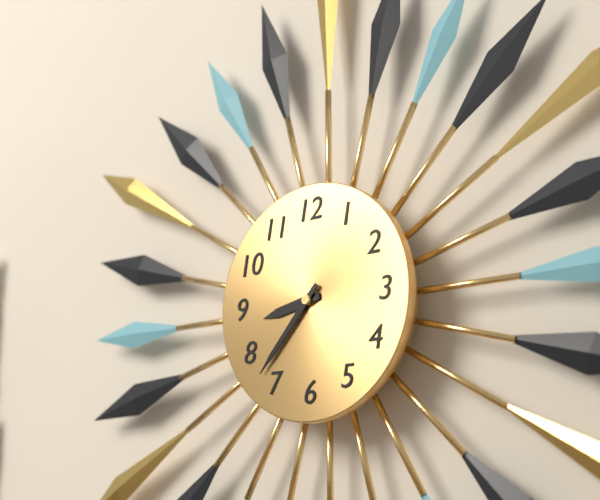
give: {"hour": 8, "minute": 37}
